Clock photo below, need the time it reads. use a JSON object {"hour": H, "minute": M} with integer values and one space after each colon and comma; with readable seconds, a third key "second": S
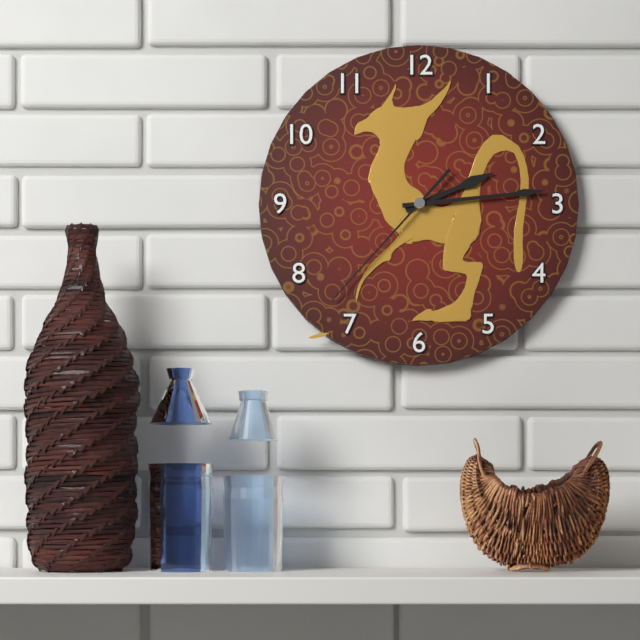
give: {"hour": 2, "minute": 14, "second": 37}
